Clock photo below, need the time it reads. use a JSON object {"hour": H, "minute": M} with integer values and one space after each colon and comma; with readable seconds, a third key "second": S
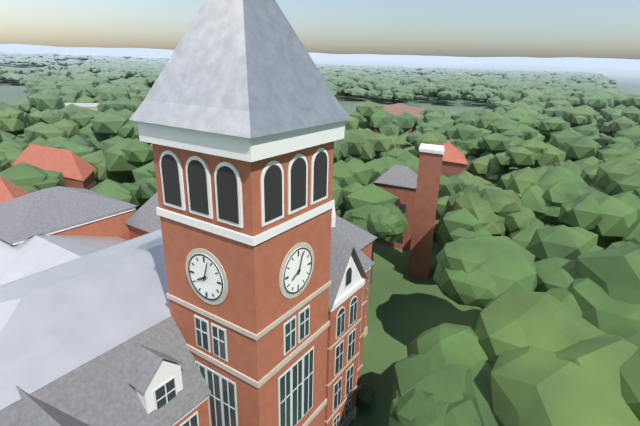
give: {"hour": 8, "minute": 3}
